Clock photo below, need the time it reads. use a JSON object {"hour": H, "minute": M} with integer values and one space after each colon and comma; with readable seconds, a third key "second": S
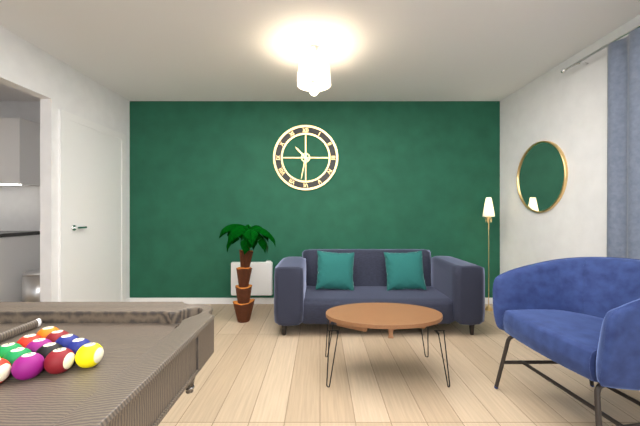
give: {"hour": 10, "minute": 32}
